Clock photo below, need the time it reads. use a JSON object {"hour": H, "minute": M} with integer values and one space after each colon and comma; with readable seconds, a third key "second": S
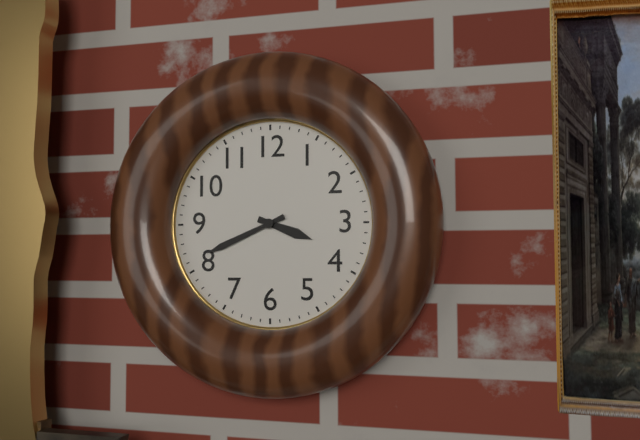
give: {"hour": 3, "minute": 41}
